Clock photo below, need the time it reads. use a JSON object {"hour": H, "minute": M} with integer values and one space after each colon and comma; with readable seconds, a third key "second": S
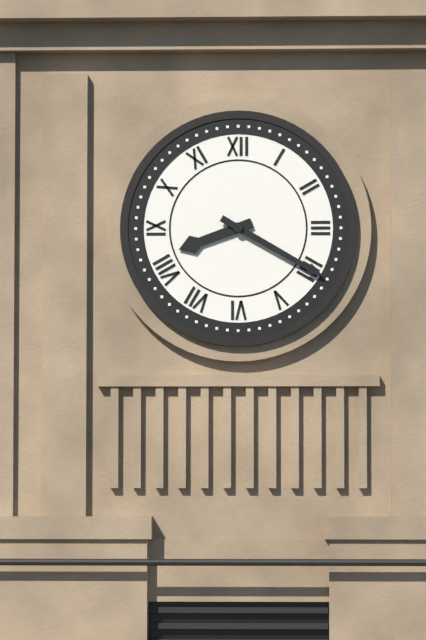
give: {"hour": 8, "minute": 20}
